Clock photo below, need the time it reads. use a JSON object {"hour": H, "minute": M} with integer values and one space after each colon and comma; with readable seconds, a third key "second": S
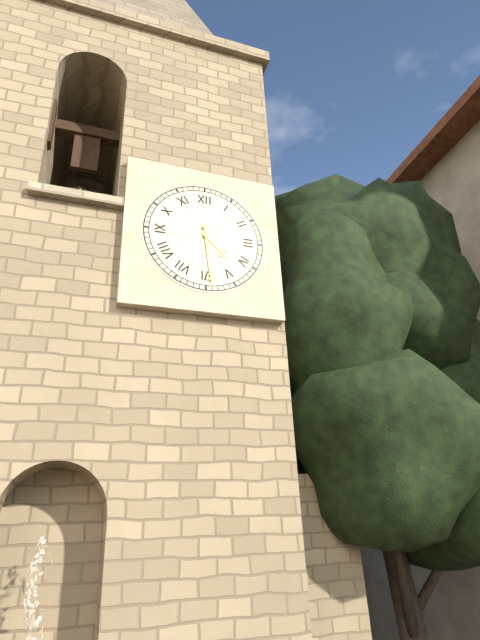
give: {"hour": 4, "minute": 29}
